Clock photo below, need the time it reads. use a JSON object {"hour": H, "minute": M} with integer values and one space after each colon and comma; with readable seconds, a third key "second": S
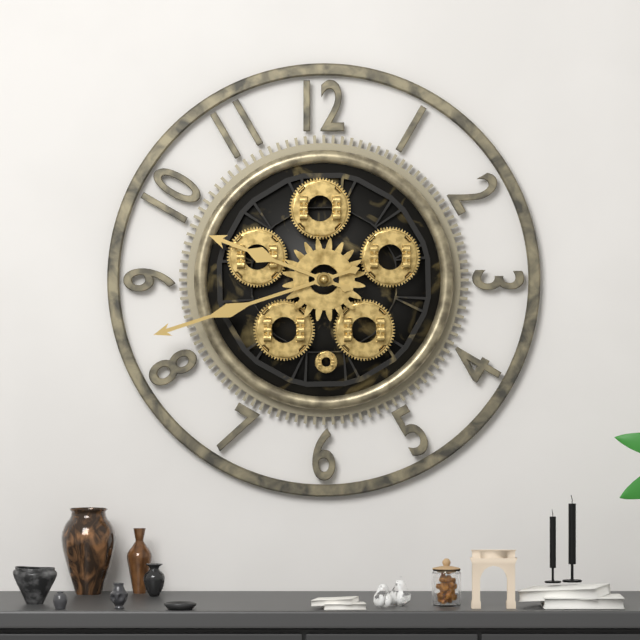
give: {"hour": 9, "minute": 42}
